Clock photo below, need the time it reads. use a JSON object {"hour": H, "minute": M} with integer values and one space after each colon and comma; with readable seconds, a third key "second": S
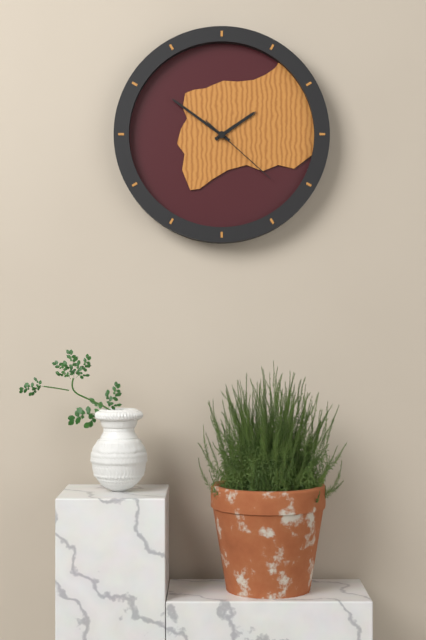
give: {"hour": 1, "minute": 51, "second": 22}
